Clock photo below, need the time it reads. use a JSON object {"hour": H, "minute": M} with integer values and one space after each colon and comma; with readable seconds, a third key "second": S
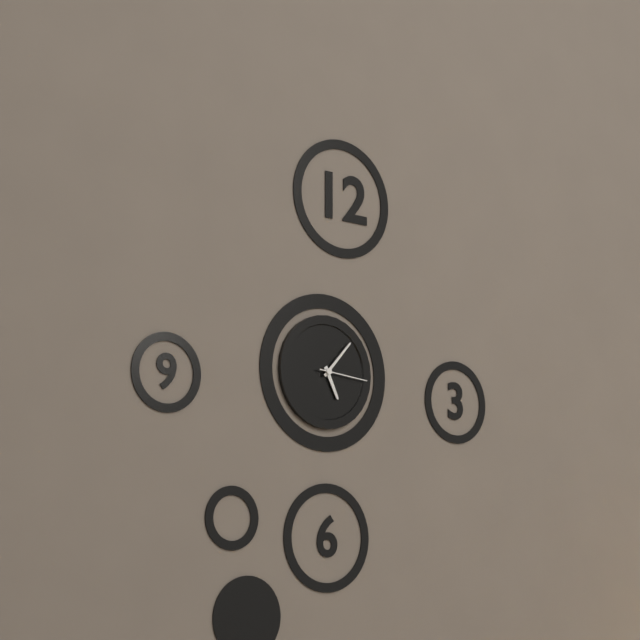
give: {"hour": 5, "minute": 7, "second": 16}
